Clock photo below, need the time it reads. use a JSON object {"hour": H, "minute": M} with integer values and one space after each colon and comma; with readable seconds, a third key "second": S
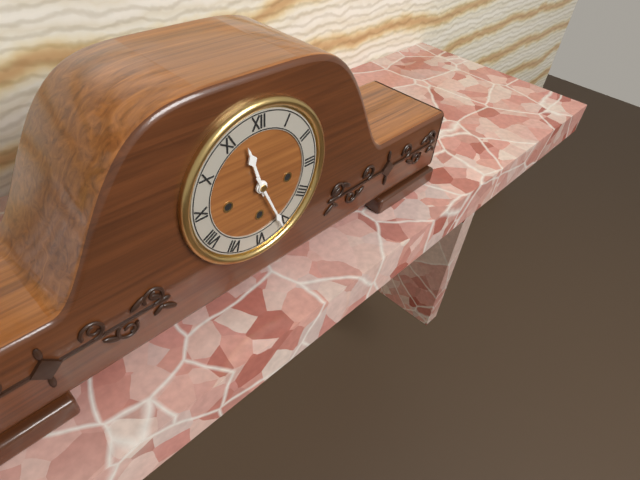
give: {"hour": 11, "minute": 26}
